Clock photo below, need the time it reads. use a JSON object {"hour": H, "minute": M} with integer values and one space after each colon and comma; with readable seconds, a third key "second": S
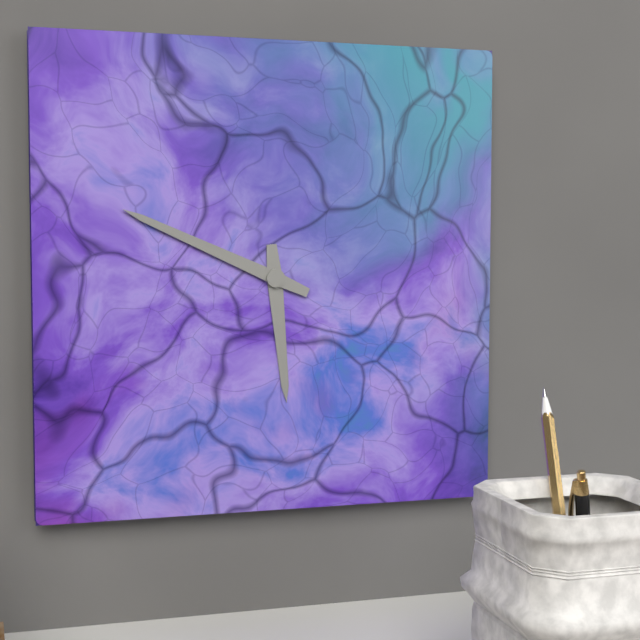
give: {"hour": 5, "minute": 49}
